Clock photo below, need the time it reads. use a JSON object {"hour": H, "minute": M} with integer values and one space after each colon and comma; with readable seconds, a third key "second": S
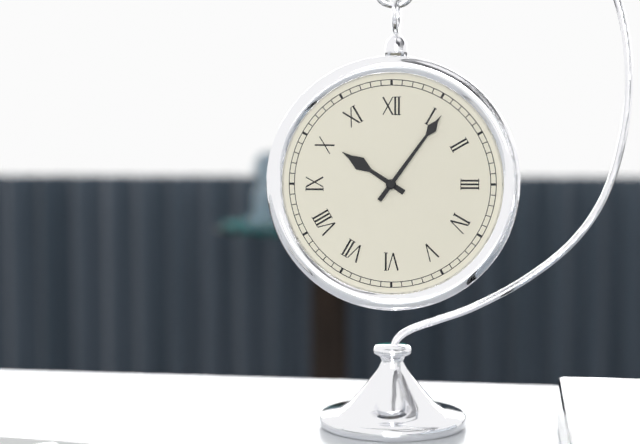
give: {"hour": 10, "minute": 6}
